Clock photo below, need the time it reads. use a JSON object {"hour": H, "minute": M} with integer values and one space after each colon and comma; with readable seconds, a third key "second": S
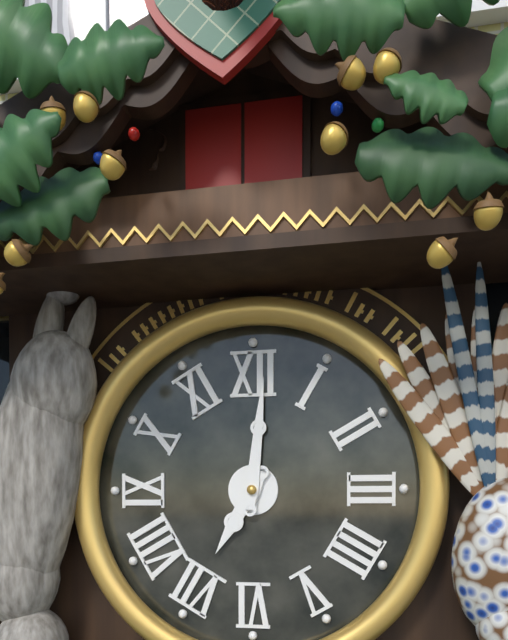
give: {"hour": 7, "minute": 1}
